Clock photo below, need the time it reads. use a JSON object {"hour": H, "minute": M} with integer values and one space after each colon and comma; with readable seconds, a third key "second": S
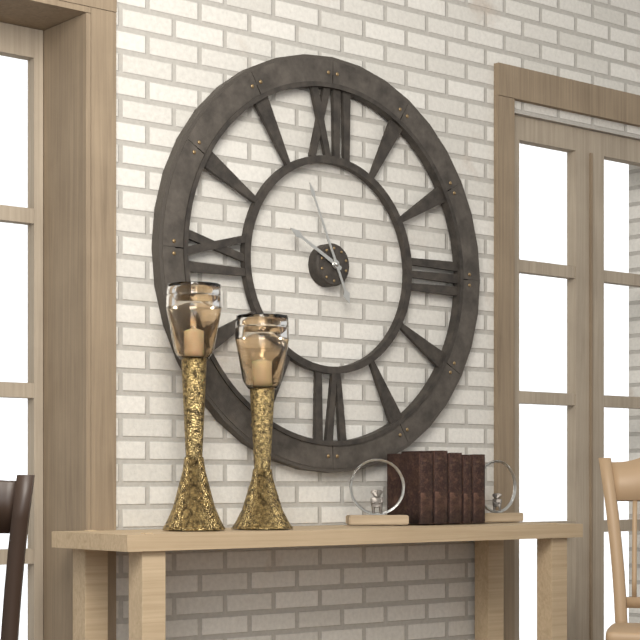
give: {"hour": 9, "minute": 56}
